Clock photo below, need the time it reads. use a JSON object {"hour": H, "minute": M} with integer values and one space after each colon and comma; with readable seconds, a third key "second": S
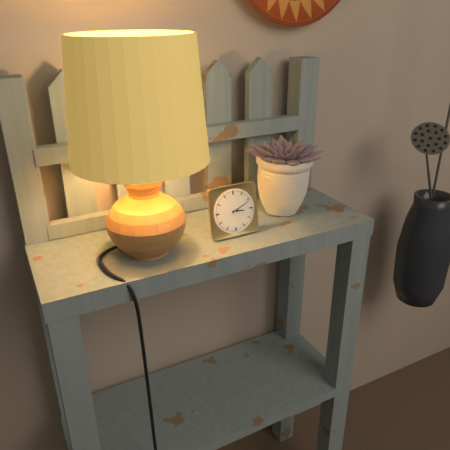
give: {"hour": 3, "minute": 11}
